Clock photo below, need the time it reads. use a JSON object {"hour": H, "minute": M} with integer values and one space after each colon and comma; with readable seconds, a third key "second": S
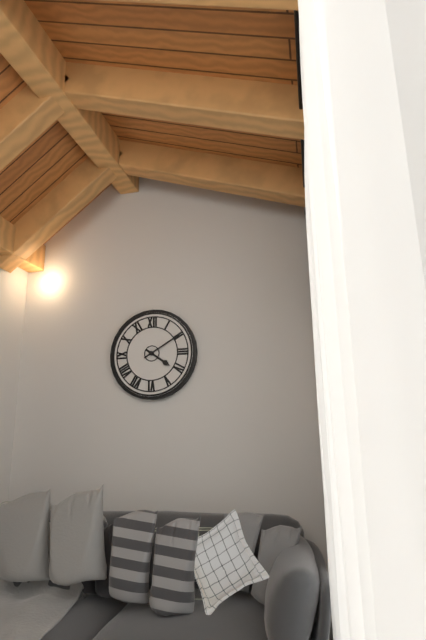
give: {"hour": 4, "minute": 10}
